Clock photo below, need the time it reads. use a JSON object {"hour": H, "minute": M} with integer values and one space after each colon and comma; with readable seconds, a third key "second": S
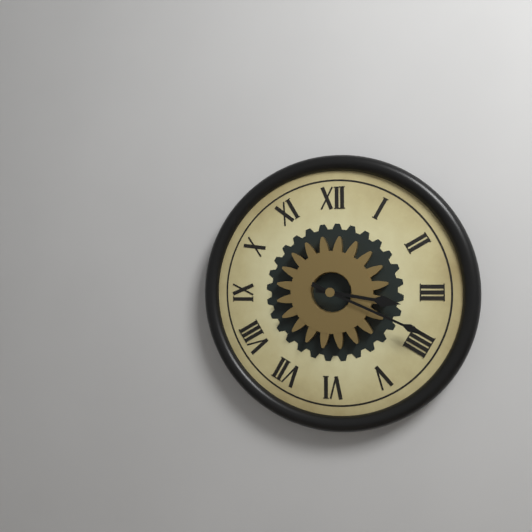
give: {"hour": 3, "minute": 19}
